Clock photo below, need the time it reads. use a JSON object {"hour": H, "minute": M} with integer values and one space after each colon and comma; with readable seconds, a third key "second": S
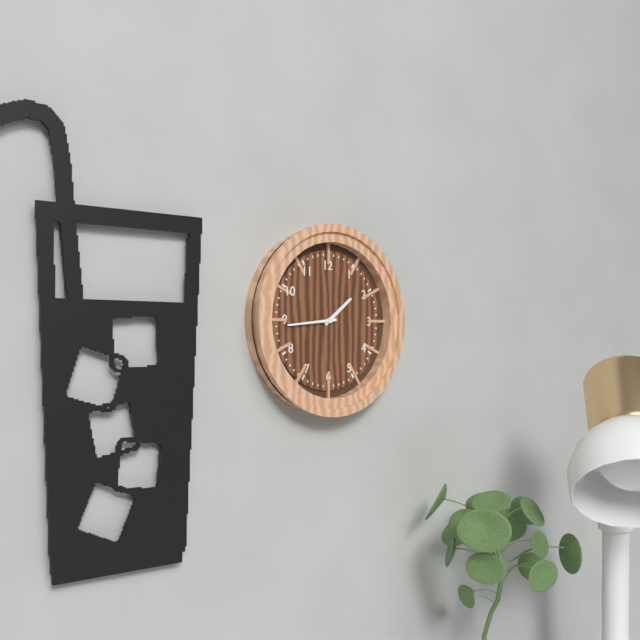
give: {"hour": 1, "minute": 44}
